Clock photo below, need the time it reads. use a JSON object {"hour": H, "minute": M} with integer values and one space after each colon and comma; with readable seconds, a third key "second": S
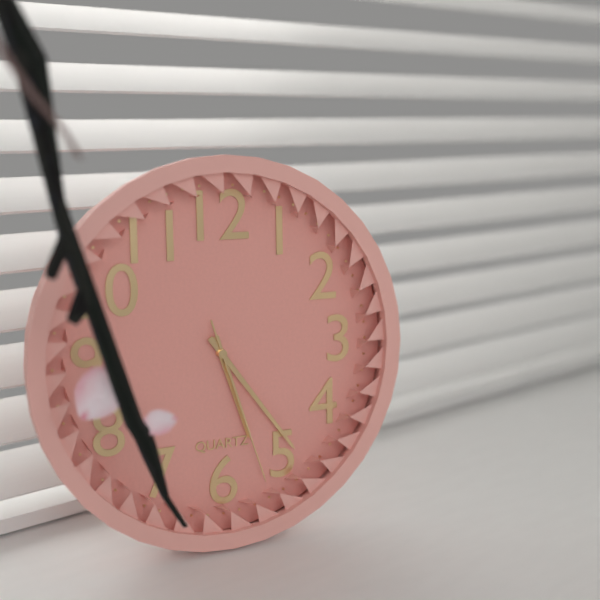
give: {"hour": 5, "minute": 24, "second": 27}
